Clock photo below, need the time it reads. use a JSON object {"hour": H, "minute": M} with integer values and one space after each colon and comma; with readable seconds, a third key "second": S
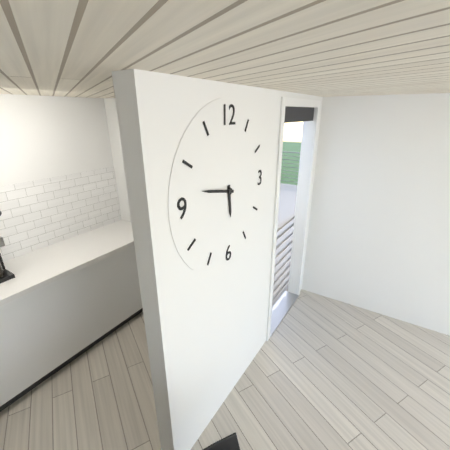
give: {"hour": 5, "minute": 47}
